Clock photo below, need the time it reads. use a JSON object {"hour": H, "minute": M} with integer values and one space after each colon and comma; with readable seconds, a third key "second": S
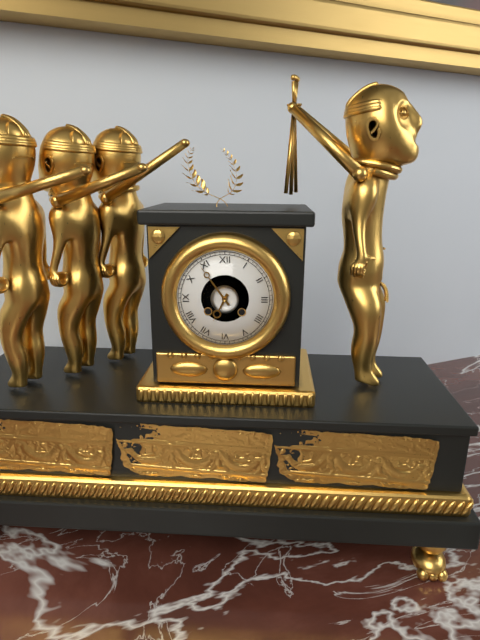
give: {"hour": 6, "minute": 54}
